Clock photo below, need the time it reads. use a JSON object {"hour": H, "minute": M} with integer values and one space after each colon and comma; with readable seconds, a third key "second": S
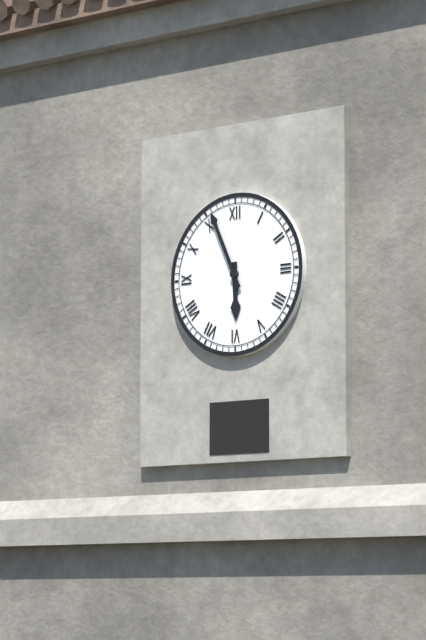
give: {"hour": 5, "minute": 56}
